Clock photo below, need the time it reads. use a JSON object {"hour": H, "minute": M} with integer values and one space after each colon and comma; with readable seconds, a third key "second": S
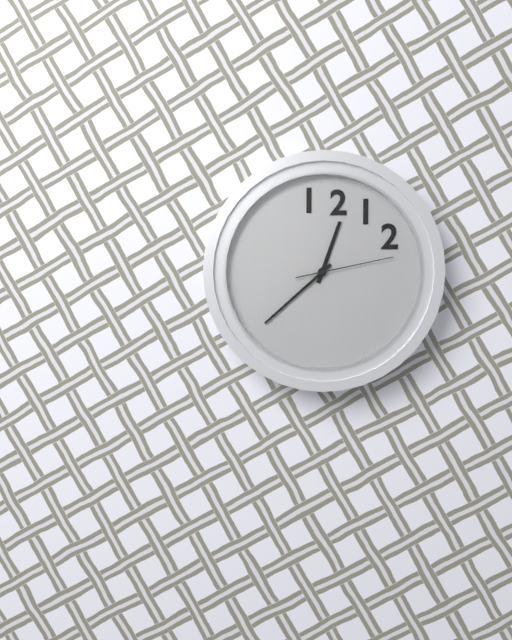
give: {"hour": 12, "minute": 38, "second": 13}
